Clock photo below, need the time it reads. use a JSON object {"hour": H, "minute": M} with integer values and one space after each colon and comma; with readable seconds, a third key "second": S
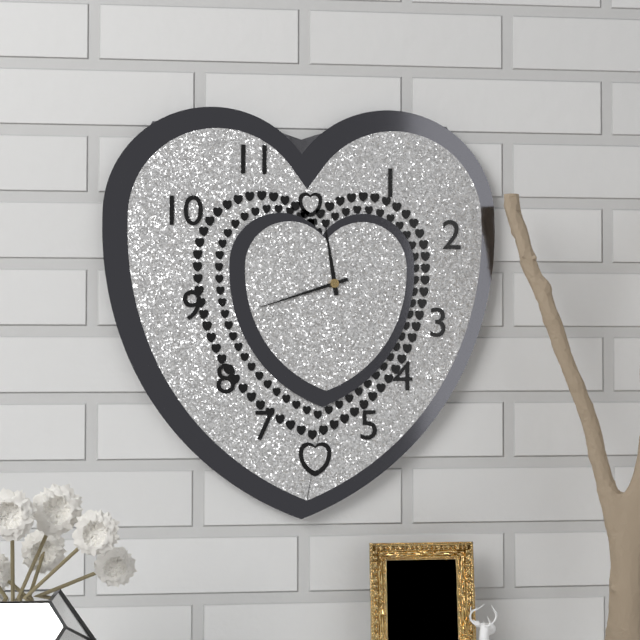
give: {"hour": 11, "minute": 42}
